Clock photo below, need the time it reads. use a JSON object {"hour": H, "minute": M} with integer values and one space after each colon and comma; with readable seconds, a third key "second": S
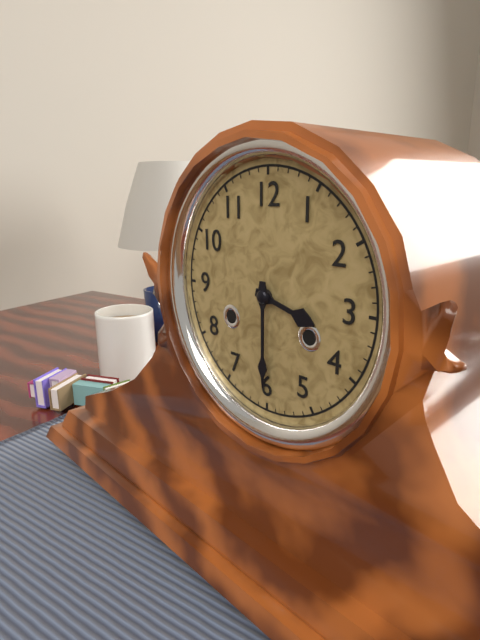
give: {"hour": 3, "minute": 30}
